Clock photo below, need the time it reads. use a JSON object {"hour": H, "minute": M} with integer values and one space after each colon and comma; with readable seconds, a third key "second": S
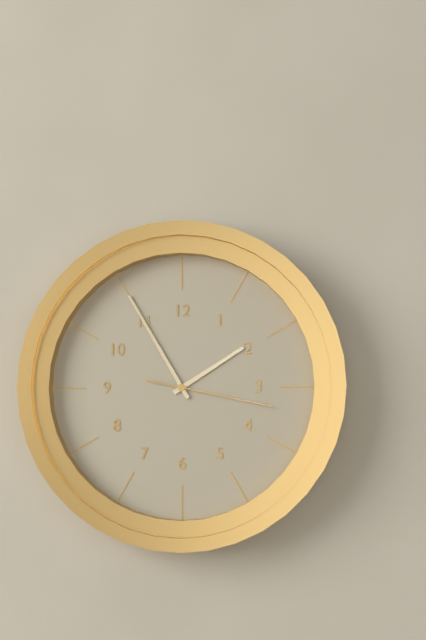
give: {"hour": 1, "minute": 55, "second": 17}
